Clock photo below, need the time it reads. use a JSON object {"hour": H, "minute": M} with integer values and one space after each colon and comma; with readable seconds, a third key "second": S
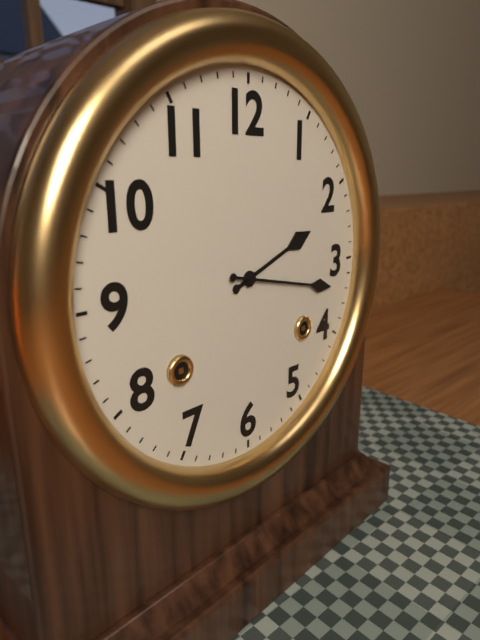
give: {"hour": 2, "minute": 17}
